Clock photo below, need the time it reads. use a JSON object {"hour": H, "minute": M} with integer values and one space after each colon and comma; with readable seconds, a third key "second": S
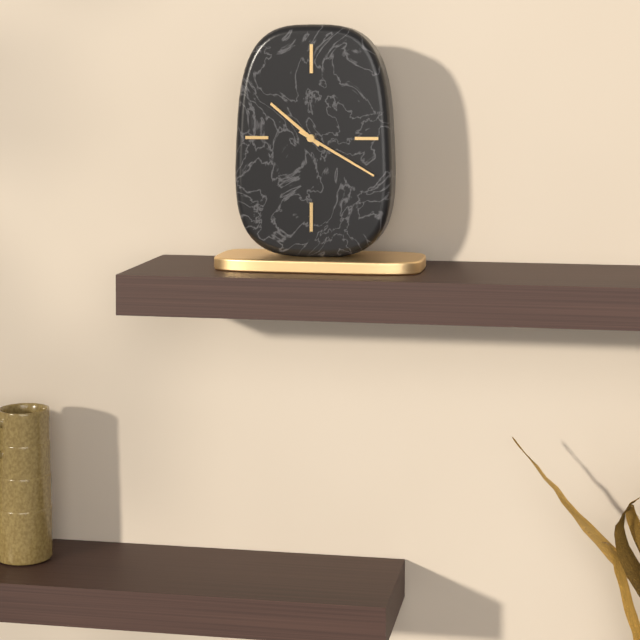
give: {"hour": 10, "minute": 20}
